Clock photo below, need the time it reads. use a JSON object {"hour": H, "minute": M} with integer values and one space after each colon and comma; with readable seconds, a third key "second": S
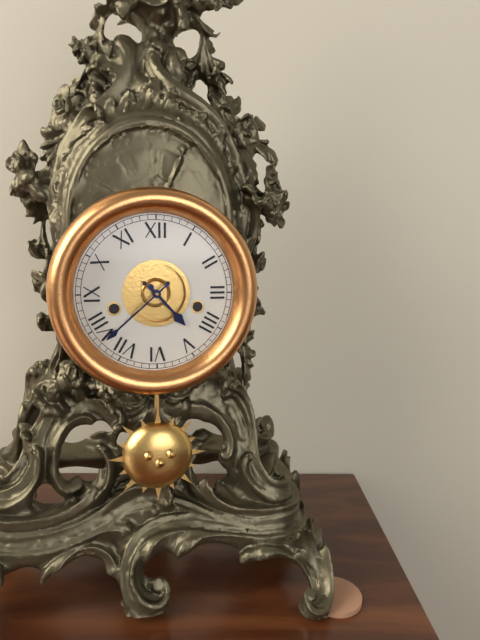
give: {"hour": 4, "minute": 38}
